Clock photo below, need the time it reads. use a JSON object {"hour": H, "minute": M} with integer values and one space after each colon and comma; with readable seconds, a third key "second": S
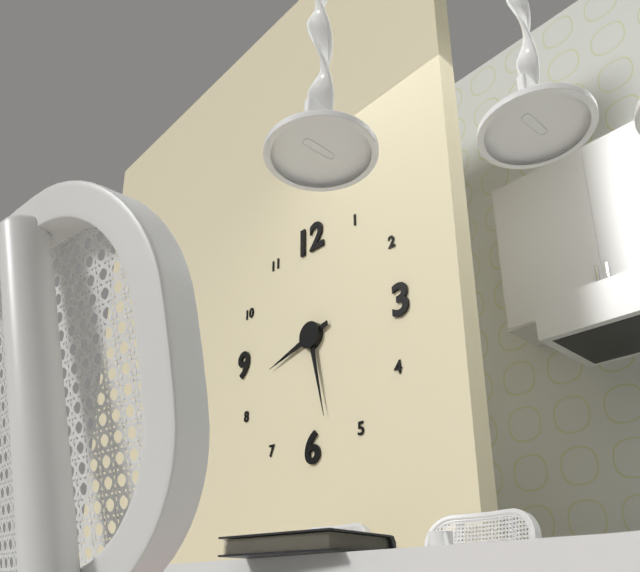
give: {"hour": 8, "minute": 28}
